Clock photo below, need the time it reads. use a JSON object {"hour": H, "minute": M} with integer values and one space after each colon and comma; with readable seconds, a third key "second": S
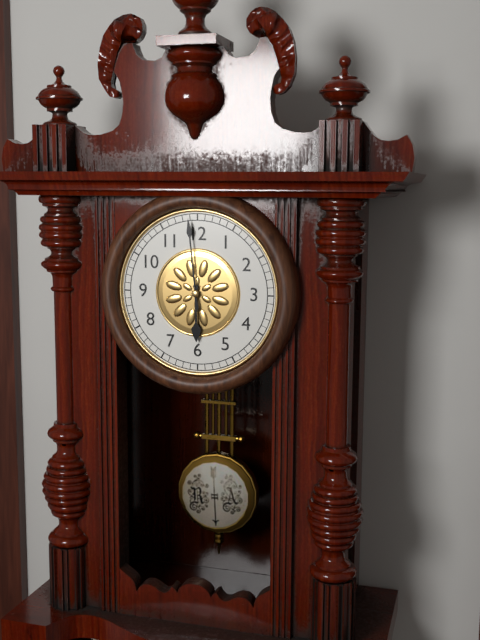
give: {"hour": 5, "minute": 59}
